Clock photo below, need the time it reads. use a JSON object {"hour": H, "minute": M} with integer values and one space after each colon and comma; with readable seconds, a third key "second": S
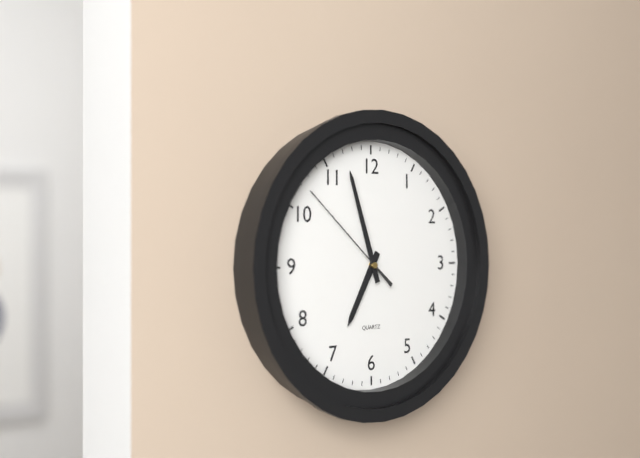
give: {"hour": 6, "minute": 57, "second": 52}
